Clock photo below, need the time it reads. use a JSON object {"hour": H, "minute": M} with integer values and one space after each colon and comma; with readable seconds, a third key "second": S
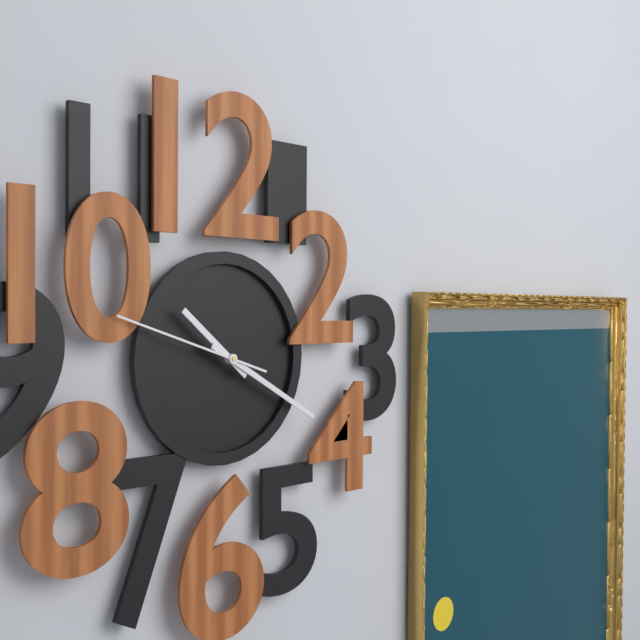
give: {"hour": 10, "minute": 20, "second": 48}
